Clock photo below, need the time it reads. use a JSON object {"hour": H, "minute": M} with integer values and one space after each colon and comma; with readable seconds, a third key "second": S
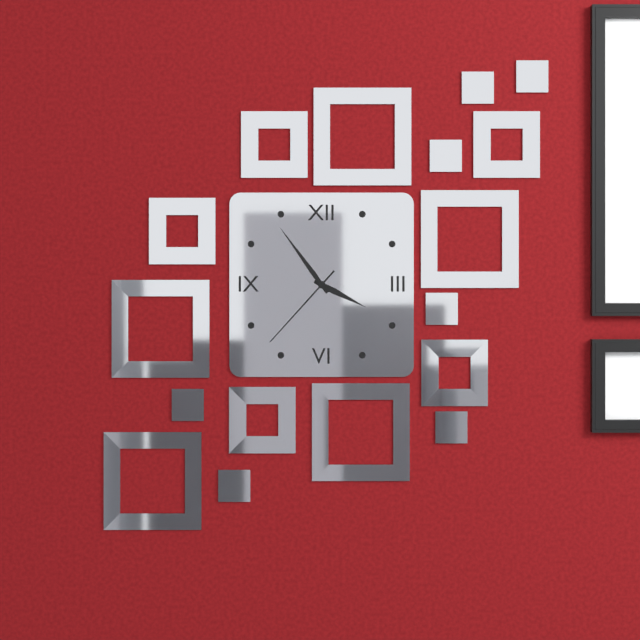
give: {"hour": 3, "minute": 54, "second": 37}
